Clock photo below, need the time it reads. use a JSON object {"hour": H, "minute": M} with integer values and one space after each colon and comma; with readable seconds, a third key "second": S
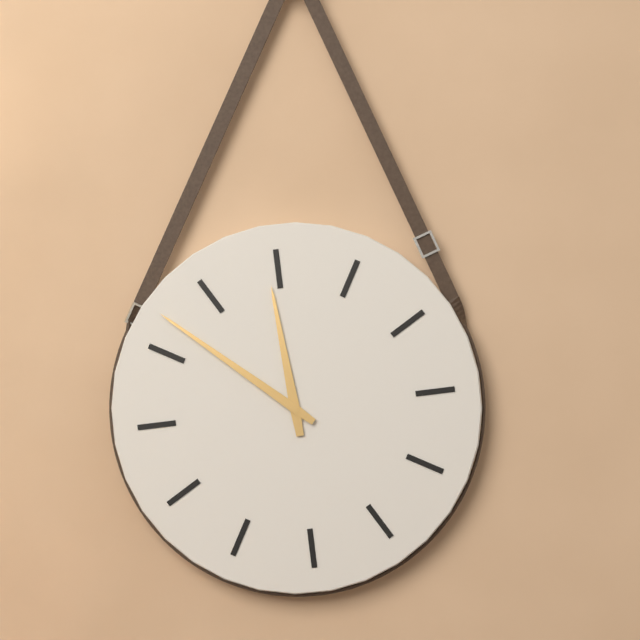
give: {"hour": 11, "minute": 52}
